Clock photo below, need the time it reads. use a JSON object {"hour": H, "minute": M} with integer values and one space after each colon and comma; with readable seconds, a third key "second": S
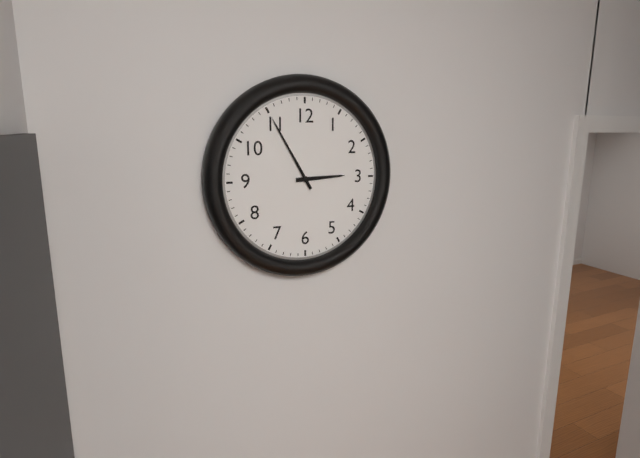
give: {"hour": 2, "minute": 55}
